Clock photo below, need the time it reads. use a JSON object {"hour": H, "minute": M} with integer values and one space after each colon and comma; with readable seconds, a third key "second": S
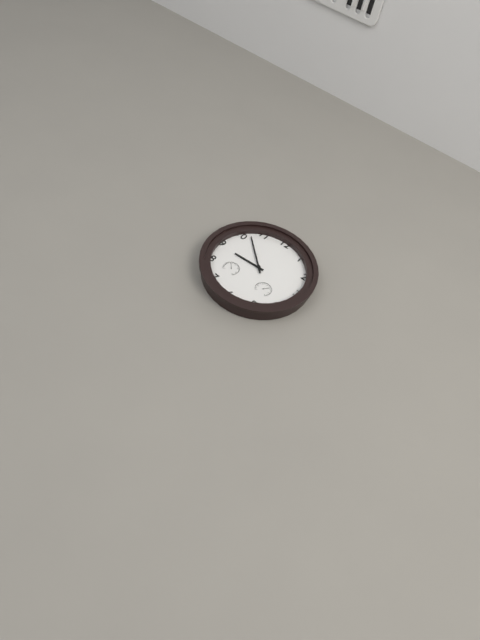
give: {"hour": 8, "minute": 52}
